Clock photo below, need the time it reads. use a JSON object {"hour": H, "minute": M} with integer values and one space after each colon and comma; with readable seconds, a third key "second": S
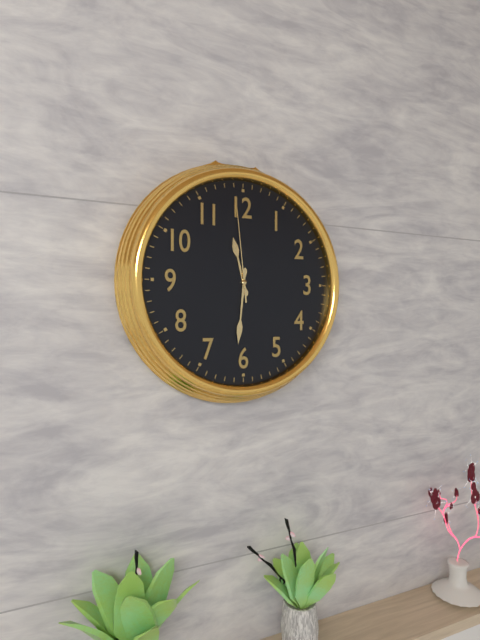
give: {"hour": 11, "minute": 31, "second": 59}
